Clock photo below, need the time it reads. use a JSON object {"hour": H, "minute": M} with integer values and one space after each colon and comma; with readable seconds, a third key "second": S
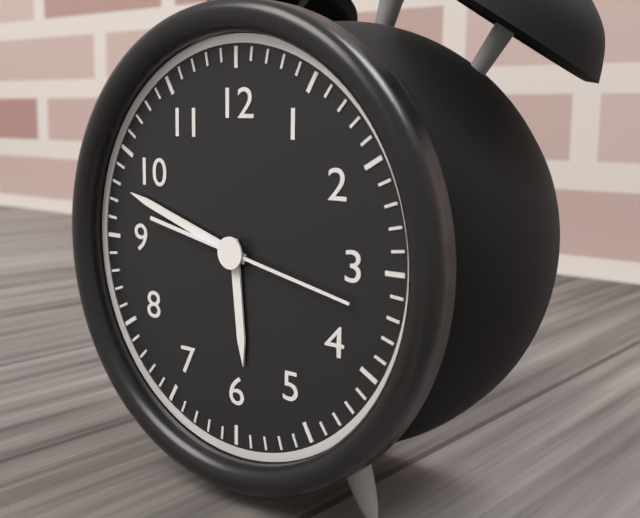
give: {"hour": 5, "minute": 48, "second": 17}
